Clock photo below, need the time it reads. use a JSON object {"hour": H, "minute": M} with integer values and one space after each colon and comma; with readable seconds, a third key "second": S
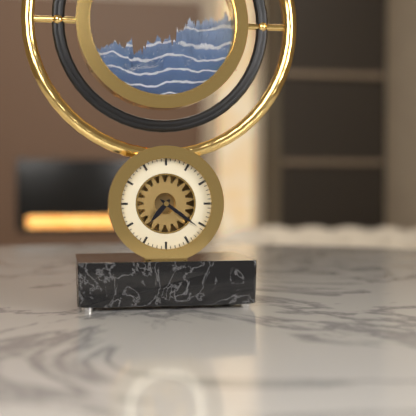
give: {"hour": 7, "minute": 21}
